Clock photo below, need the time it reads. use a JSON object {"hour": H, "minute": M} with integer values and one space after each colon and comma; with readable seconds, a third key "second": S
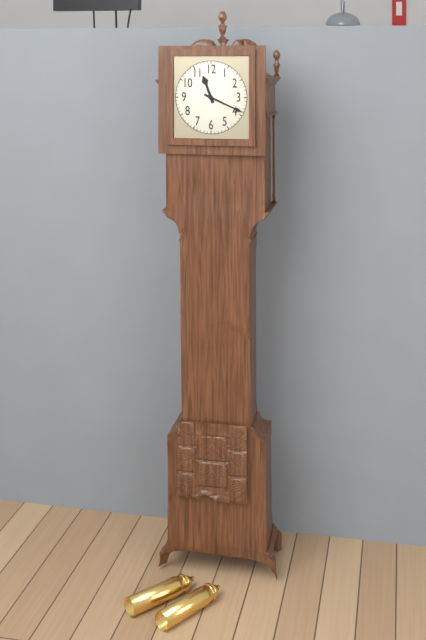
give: {"hour": 11, "minute": 19}
